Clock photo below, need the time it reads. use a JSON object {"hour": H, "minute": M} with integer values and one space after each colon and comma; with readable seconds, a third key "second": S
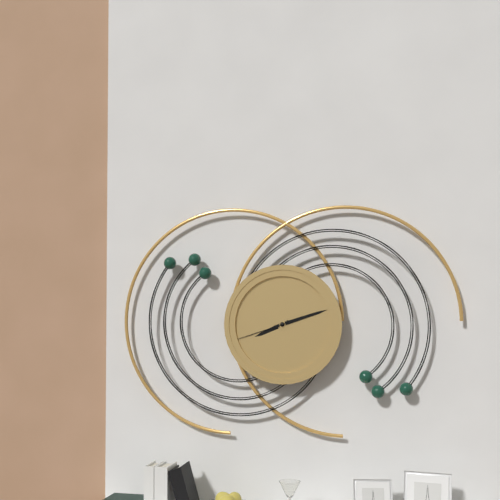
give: {"hour": 8, "minute": 12, "second": 42}
